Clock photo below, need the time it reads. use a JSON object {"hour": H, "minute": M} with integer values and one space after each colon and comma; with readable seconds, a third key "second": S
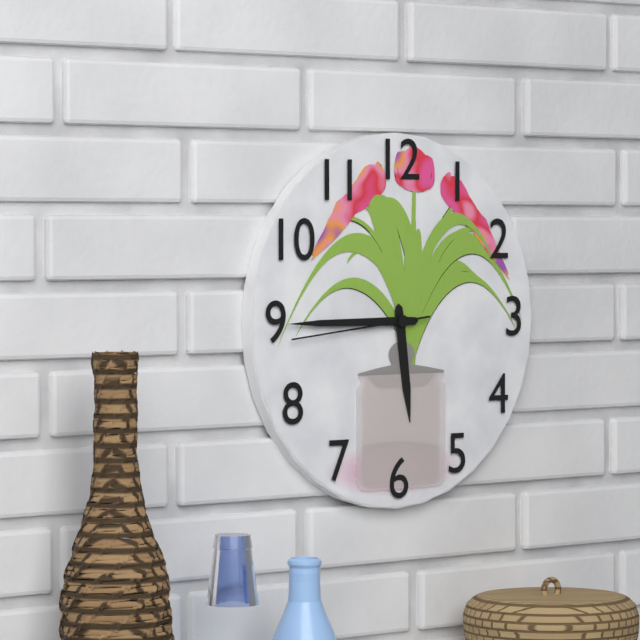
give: {"hour": 5, "minute": 45, "second": 44}
